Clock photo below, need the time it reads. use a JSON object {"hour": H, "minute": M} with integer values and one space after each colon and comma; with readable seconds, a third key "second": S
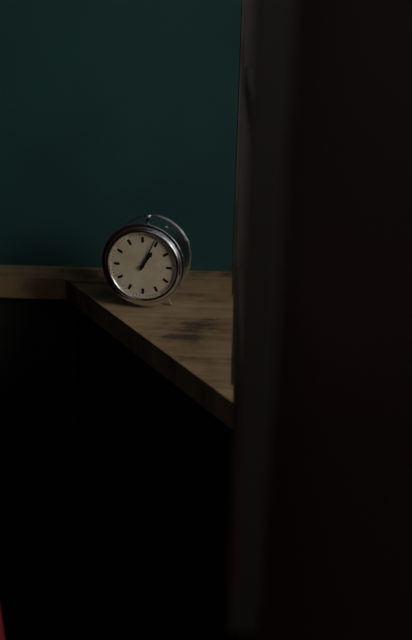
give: {"hour": 1, "minute": 4}
